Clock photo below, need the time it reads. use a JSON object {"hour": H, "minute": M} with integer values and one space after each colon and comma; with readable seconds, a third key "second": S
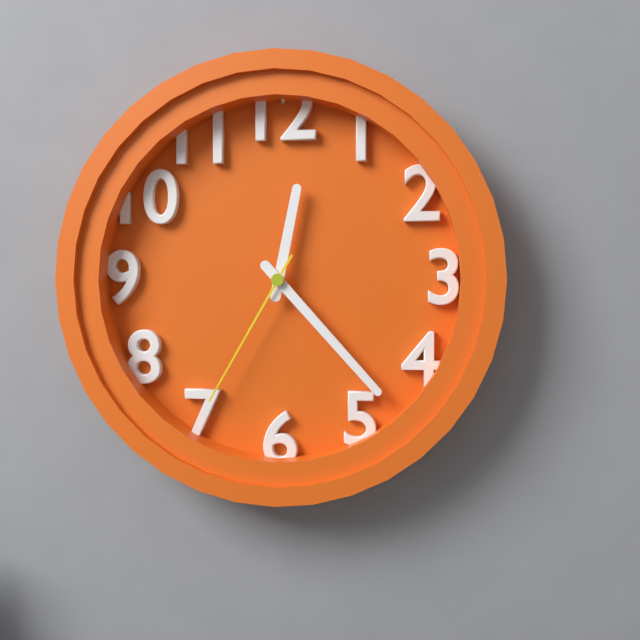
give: {"hour": 12, "minute": 23, "second": 35}
